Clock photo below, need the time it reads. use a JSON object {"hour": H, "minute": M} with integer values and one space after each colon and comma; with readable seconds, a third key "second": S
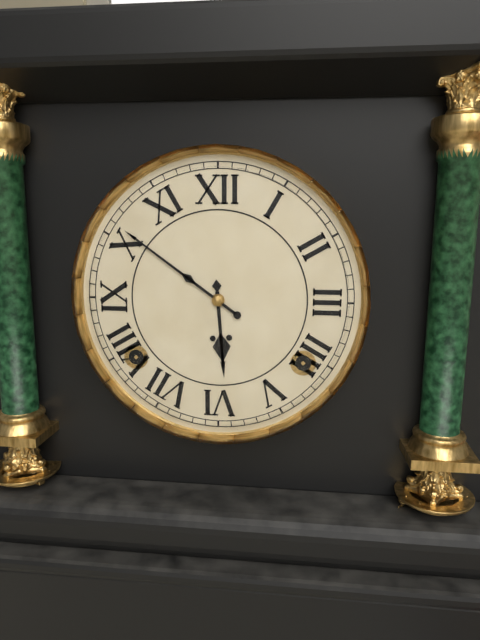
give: {"hour": 5, "minute": 51}
